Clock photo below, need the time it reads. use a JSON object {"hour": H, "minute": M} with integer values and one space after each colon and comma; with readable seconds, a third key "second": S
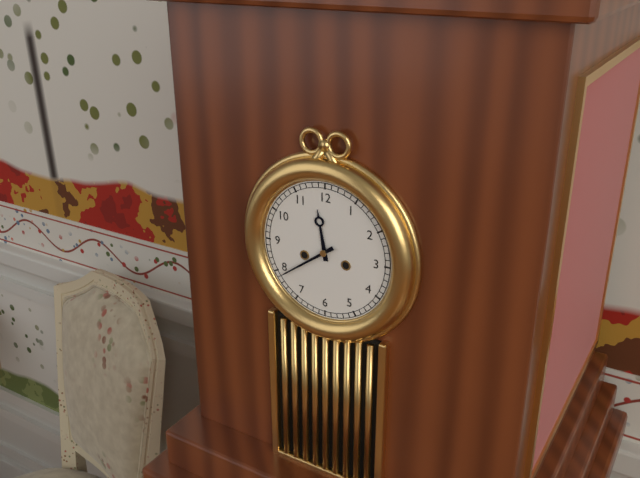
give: {"hour": 11, "minute": 39}
